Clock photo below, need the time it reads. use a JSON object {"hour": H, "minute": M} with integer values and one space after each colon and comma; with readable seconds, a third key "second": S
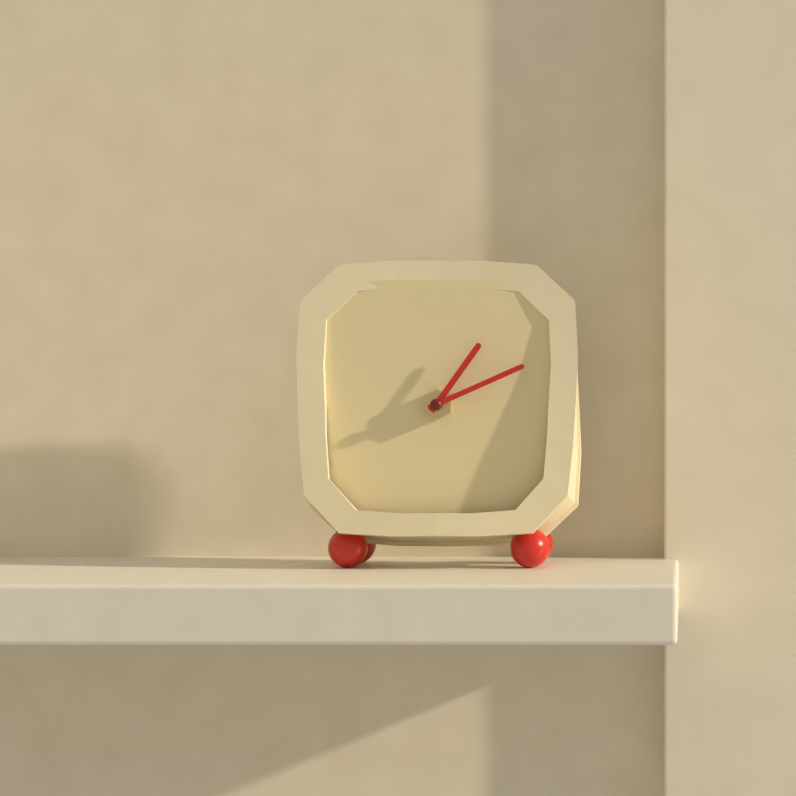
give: {"hour": 1, "minute": 11}
